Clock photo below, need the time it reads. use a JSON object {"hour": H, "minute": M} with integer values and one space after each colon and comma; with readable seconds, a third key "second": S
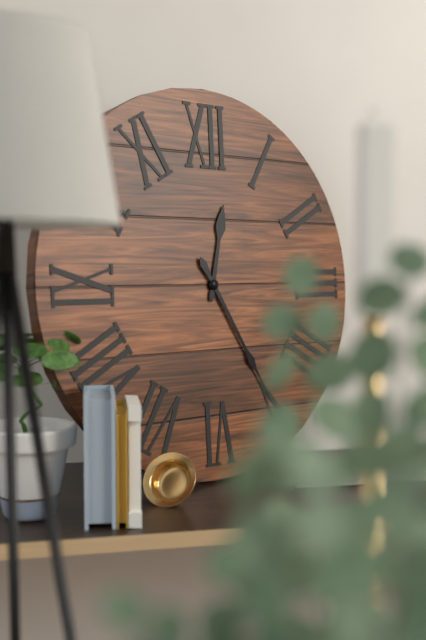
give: {"hour": 12, "minute": 25}
